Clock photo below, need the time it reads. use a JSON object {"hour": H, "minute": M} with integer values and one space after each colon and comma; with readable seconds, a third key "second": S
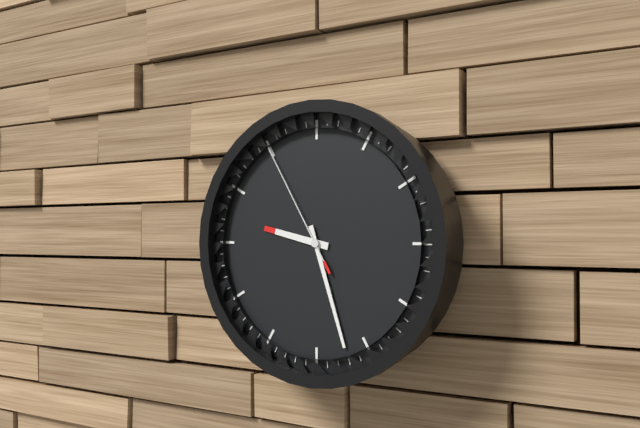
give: {"hour": 9, "minute": 27, "second": 55}
